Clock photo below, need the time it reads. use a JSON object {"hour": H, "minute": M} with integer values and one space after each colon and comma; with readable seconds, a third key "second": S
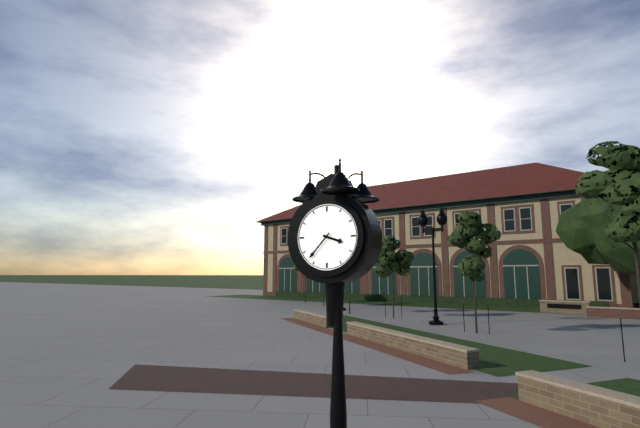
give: {"hour": 3, "minute": 37}
